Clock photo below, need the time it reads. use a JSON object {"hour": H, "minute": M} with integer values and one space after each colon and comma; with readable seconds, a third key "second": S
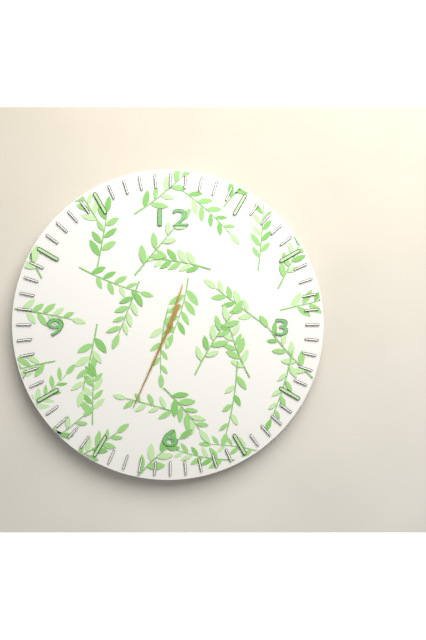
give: {"hour": 12, "minute": 34, "second": 34}
